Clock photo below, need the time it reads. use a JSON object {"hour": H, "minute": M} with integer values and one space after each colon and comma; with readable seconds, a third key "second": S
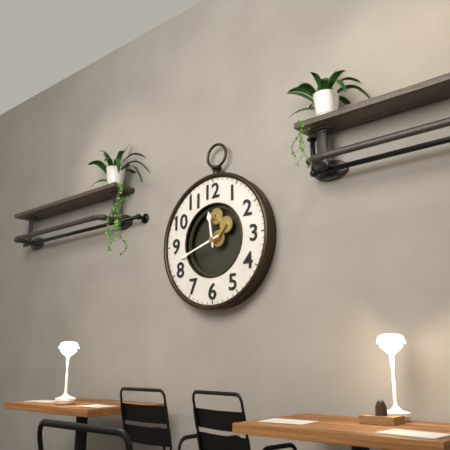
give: {"hour": 11, "minute": 42}
